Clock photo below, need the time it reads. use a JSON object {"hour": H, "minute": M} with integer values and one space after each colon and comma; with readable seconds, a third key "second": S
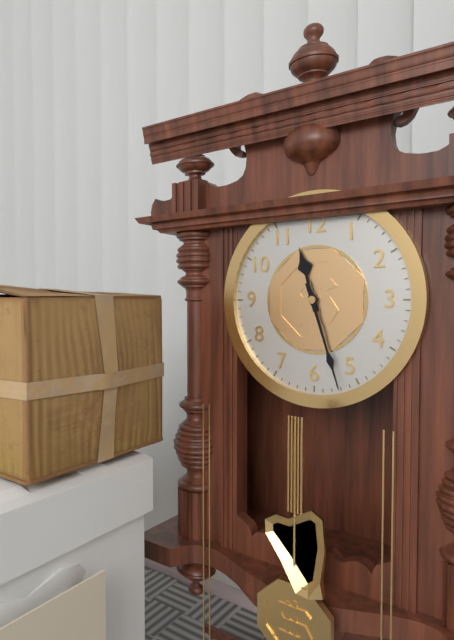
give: {"hour": 11, "minute": 27}
